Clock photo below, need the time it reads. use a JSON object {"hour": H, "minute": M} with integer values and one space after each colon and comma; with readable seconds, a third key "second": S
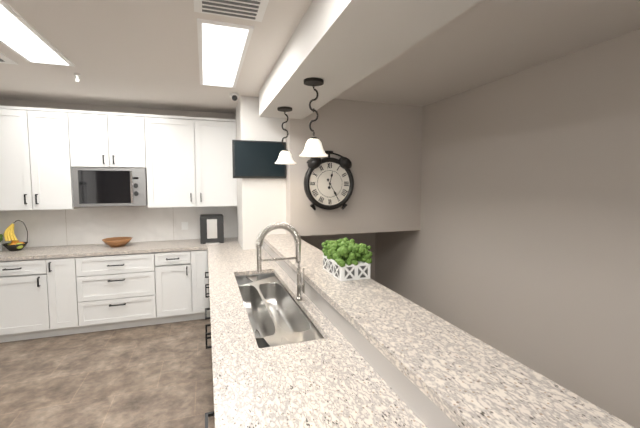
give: {"hour": 12, "minute": 25}
